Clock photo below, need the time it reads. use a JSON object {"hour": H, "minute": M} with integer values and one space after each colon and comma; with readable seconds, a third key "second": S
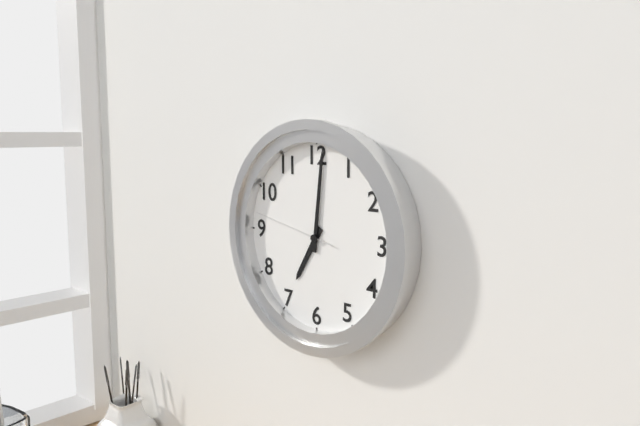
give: {"hour": 7, "minute": 1, "second": 47}
